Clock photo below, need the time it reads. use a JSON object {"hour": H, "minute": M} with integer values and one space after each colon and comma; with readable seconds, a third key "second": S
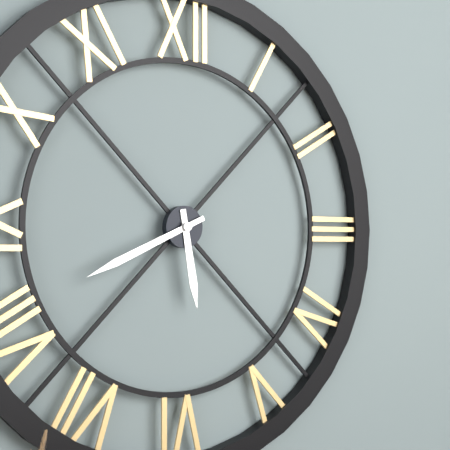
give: {"hour": 5, "minute": 41}
